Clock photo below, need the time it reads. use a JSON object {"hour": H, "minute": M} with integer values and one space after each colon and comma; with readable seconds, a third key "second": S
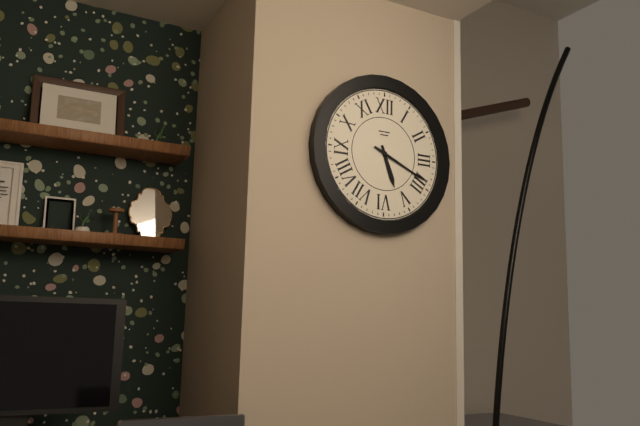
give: {"hour": 5, "minute": 19}
